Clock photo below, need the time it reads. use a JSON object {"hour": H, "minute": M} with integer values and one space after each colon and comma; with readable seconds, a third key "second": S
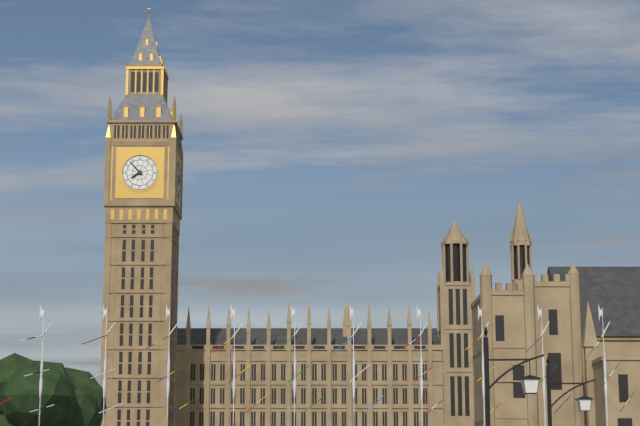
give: {"hour": 7, "minute": 53}
